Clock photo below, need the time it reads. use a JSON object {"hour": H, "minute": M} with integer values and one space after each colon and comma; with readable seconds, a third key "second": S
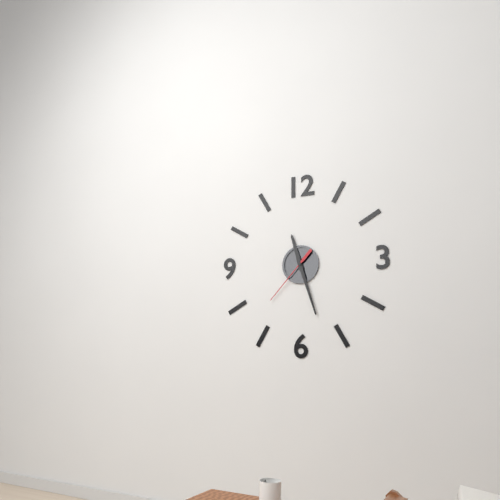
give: {"hour": 11, "minute": 27, "second": 37}
